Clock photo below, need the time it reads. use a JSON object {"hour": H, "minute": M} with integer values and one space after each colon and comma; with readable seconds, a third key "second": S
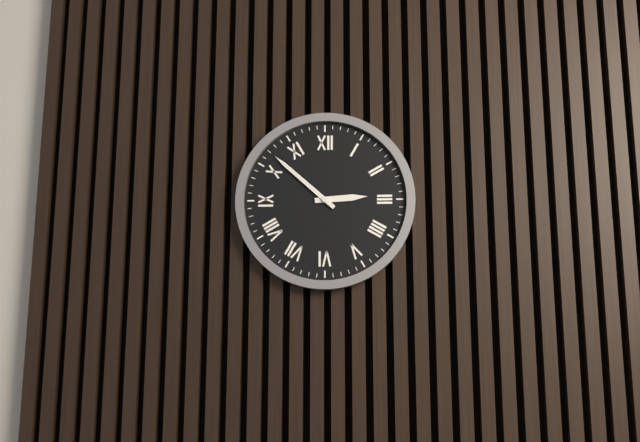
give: {"hour": 2, "minute": 52}
